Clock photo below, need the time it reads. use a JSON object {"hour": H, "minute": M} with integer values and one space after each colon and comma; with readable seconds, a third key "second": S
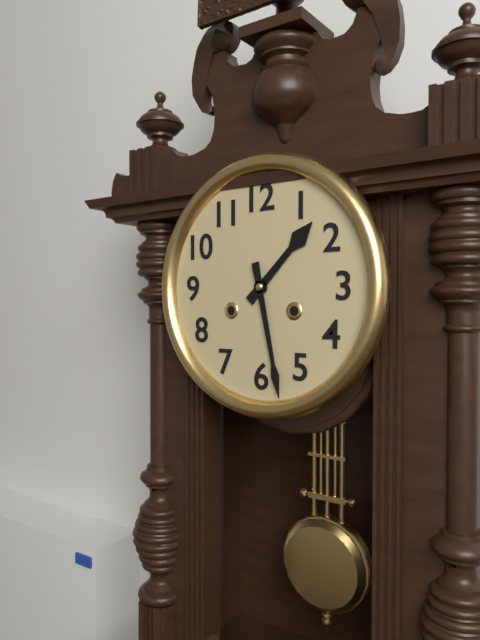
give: {"hour": 1, "minute": 28}
